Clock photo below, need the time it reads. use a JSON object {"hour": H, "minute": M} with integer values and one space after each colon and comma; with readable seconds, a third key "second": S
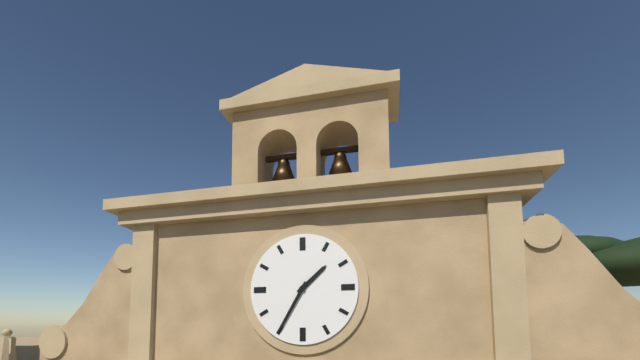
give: {"hour": 1, "minute": 35}
